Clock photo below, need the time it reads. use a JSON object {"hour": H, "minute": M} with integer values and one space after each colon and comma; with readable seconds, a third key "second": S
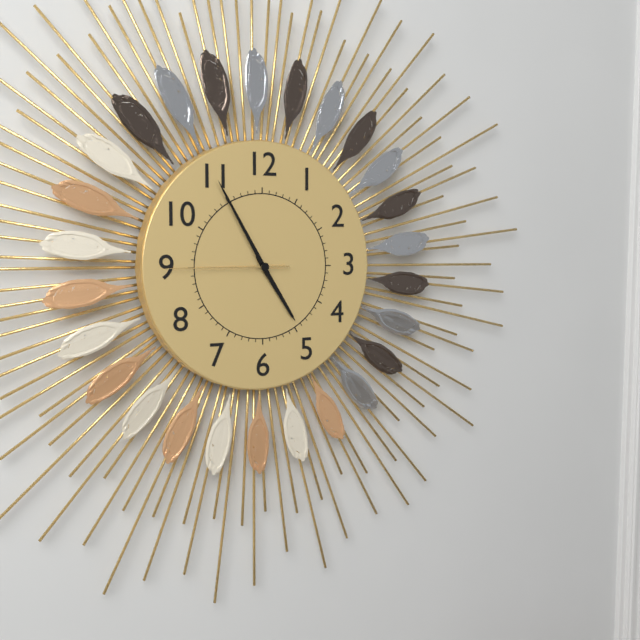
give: {"hour": 4, "minute": 55, "second": 45}
